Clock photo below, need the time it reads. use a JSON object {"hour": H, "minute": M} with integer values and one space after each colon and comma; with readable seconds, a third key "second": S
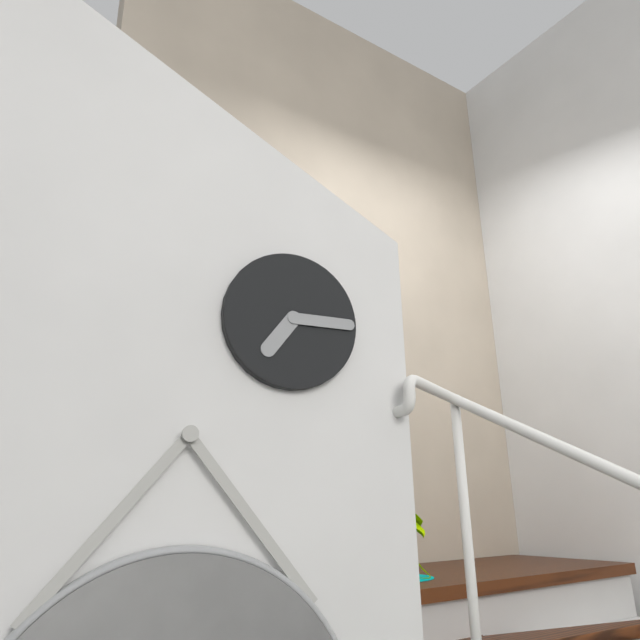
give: {"hour": 7, "minute": 15}
